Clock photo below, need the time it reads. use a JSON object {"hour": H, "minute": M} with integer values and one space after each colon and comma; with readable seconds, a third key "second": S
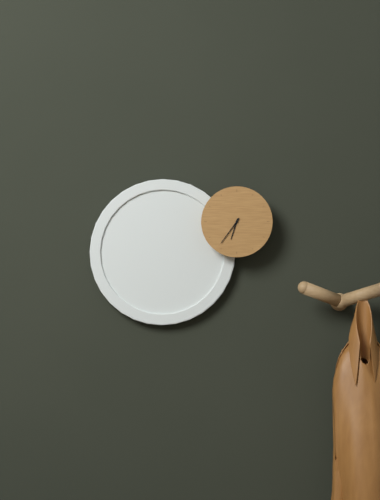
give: {"hour": 6, "minute": 36}
